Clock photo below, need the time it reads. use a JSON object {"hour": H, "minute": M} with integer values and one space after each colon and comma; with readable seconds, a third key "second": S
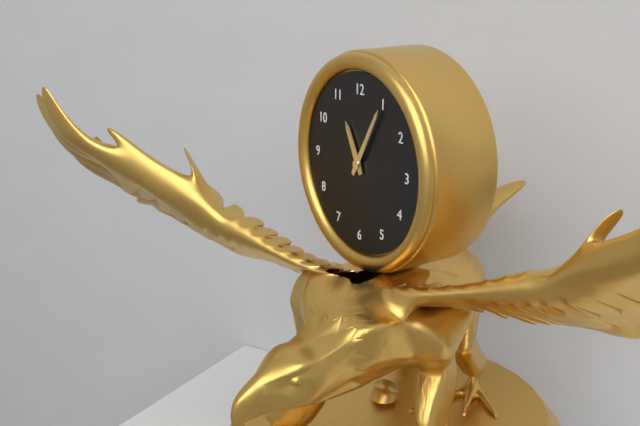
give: {"hour": 11, "minute": 5}
